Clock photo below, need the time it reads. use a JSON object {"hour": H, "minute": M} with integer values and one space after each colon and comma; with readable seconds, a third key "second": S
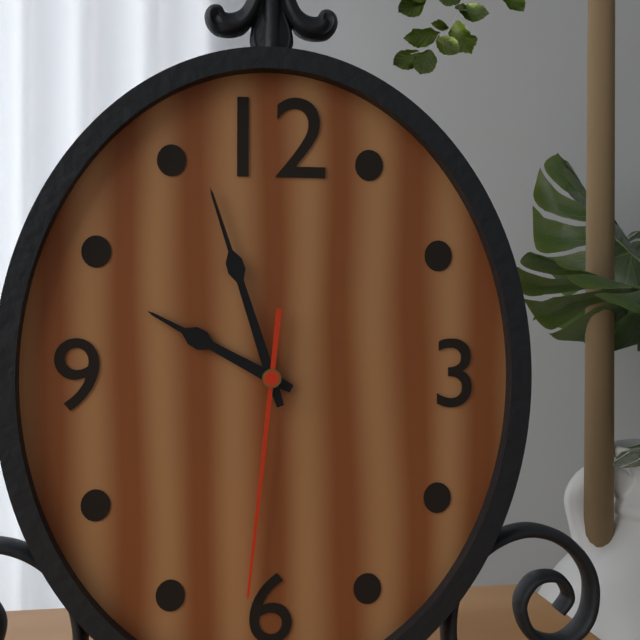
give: {"hour": 9, "minute": 57, "second": 31}
